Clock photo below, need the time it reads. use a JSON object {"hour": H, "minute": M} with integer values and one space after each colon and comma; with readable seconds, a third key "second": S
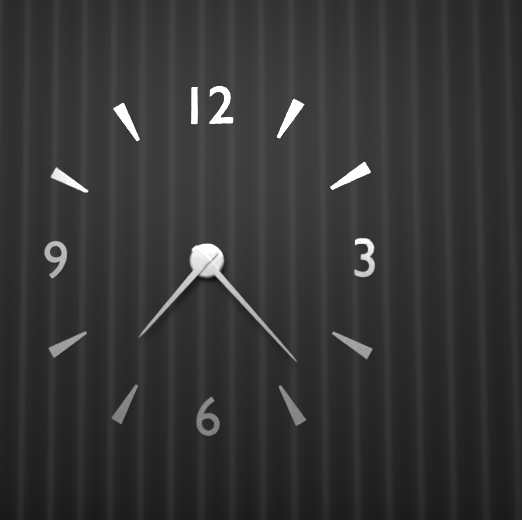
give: {"hour": 7, "minute": 23}
